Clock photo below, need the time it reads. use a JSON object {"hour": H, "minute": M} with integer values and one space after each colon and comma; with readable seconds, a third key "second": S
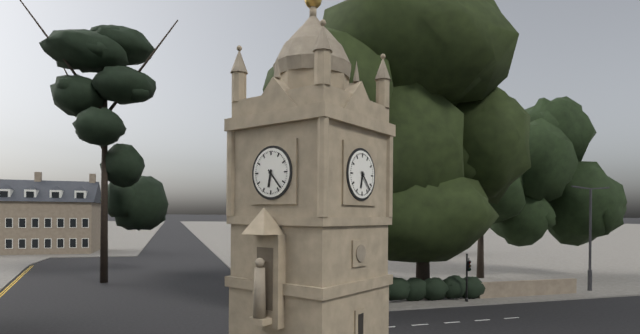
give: {"hour": 6, "minute": 23}
